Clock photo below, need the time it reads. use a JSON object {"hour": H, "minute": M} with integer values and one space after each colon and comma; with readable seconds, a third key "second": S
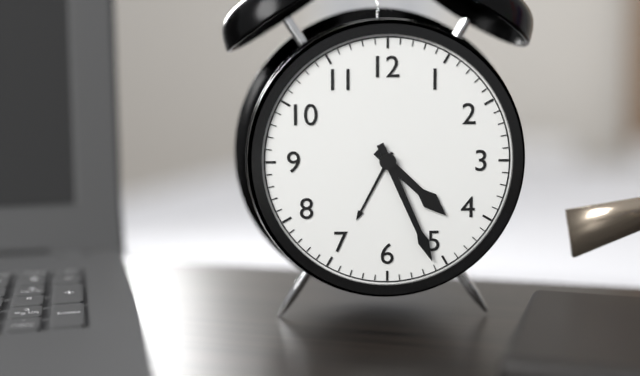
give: {"hour": 4, "minute": 26}
